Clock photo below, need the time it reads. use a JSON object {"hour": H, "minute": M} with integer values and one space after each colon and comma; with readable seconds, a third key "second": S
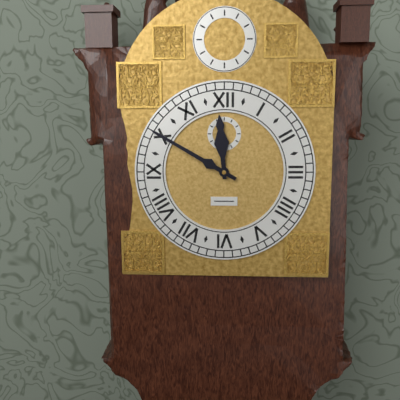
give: {"hour": 11, "minute": 50}
